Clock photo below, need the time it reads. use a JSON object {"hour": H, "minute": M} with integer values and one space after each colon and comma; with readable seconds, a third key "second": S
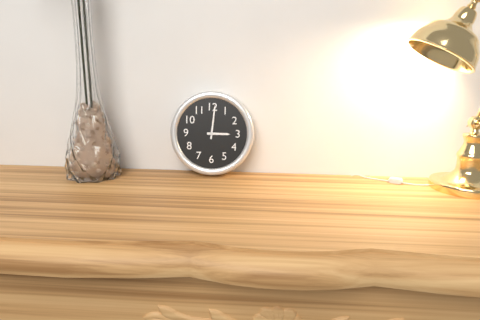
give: {"hour": 3, "minute": 1}
